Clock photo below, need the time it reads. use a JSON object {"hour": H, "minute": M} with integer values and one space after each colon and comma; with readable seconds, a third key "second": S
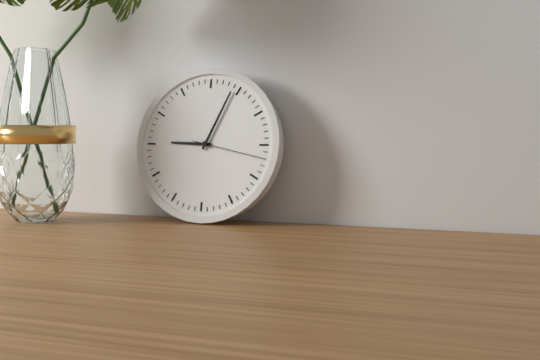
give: {"hour": 9, "minute": 4, "second": 17}
